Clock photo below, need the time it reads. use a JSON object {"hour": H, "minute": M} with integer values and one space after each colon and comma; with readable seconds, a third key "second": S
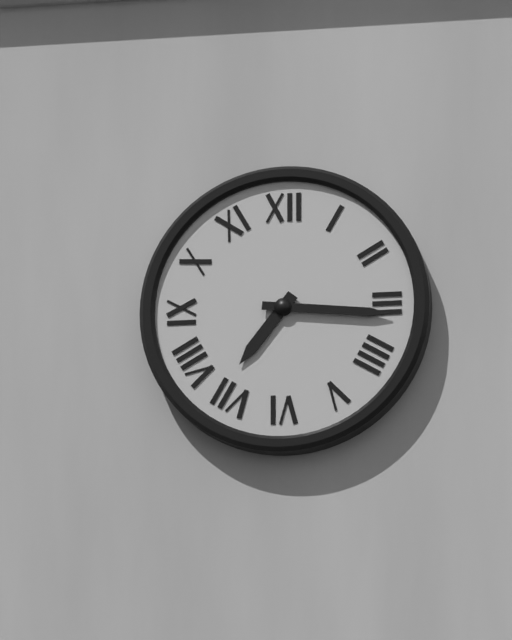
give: {"hour": 7, "minute": 16}
